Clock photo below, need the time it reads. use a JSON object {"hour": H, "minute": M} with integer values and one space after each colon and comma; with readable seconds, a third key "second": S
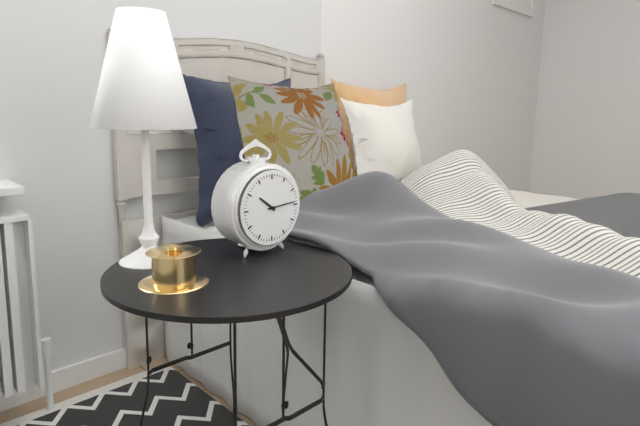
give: {"hour": 10, "minute": 14}
